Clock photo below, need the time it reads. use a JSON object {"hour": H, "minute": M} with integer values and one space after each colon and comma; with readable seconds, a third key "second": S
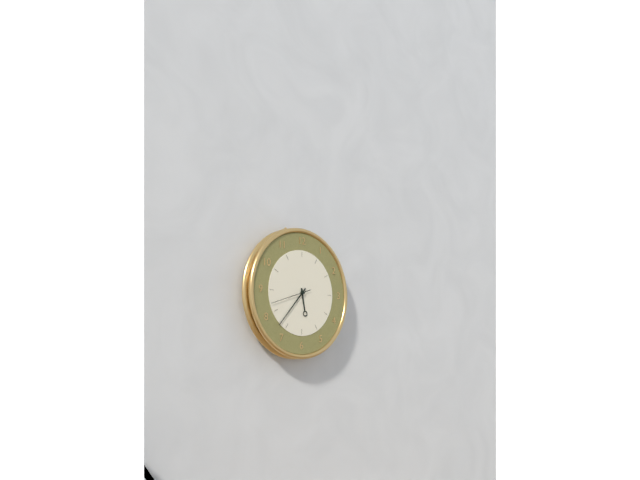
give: {"hour": 5, "minute": 37}
